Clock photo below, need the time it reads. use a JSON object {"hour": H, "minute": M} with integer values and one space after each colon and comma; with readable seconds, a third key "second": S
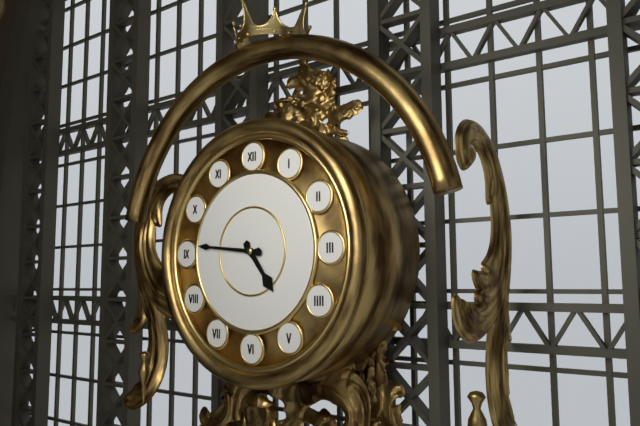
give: {"hour": 4, "minute": 46}
